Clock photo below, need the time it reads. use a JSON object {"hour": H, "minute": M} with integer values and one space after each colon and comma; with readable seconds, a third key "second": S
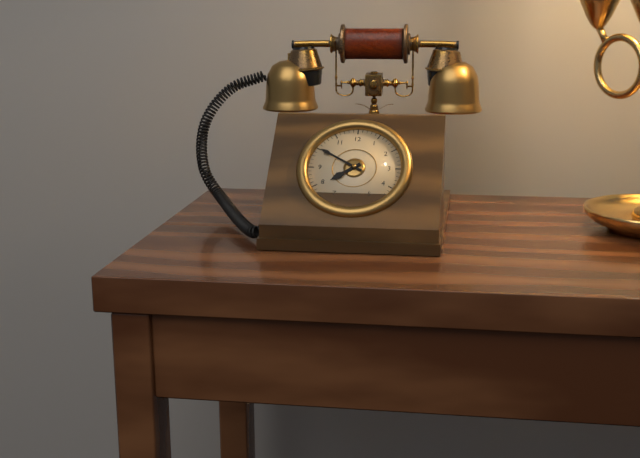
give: {"hour": 7, "minute": 50}
